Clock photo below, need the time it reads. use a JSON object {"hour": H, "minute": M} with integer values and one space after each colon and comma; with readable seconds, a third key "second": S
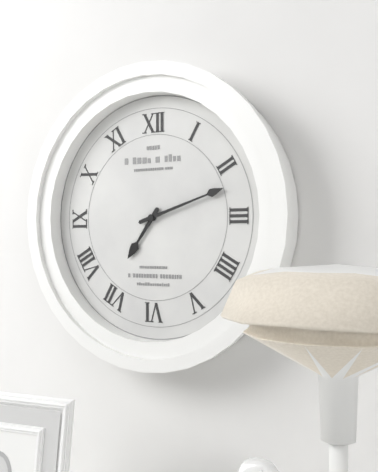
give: {"hour": 7, "minute": 12}
